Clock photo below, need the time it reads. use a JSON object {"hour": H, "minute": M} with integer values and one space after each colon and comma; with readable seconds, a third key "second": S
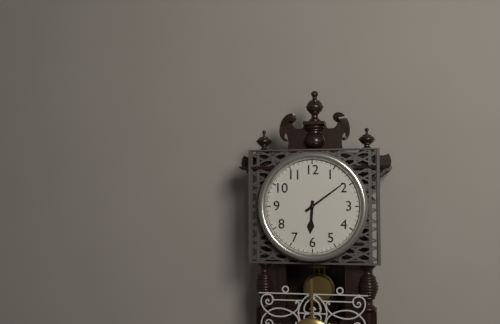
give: {"hour": 6, "minute": 9}
